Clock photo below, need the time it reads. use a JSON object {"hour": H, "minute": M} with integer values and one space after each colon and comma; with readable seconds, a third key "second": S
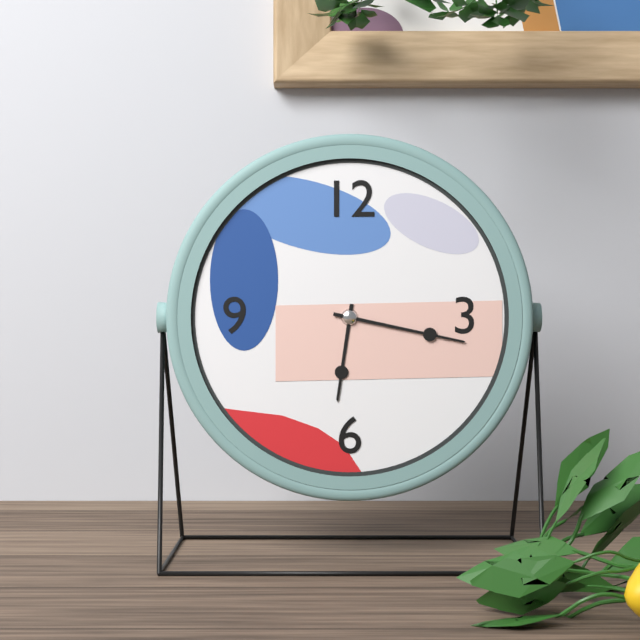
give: {"hour": 6, "minute": 17}
